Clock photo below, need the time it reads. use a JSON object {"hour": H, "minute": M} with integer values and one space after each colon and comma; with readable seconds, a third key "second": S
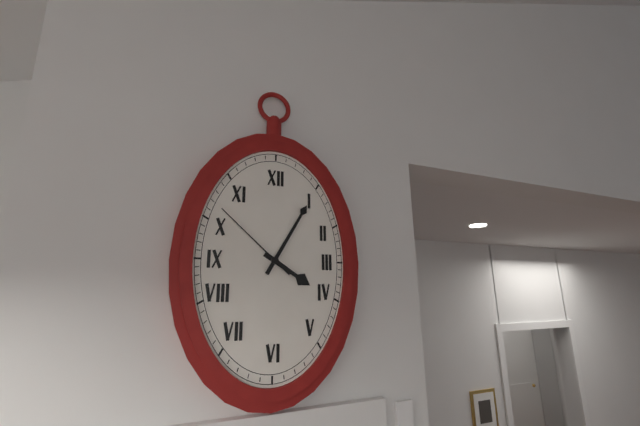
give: {"hour": 4, "minute": 5, "second": 52}
